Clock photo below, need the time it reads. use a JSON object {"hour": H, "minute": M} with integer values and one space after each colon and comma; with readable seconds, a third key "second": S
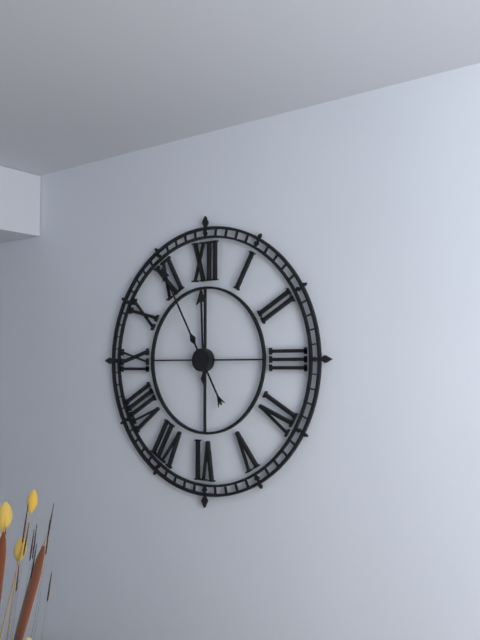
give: {"hour": 11, "minute": 55}
